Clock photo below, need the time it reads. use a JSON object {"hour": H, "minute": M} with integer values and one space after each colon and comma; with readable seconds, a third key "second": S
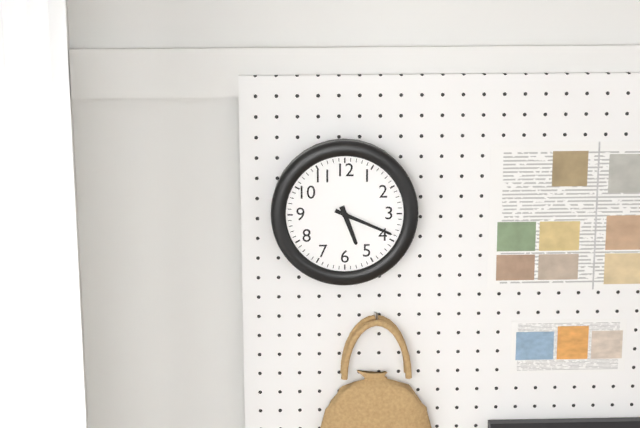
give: {"hour": 5, "minute": 19}
